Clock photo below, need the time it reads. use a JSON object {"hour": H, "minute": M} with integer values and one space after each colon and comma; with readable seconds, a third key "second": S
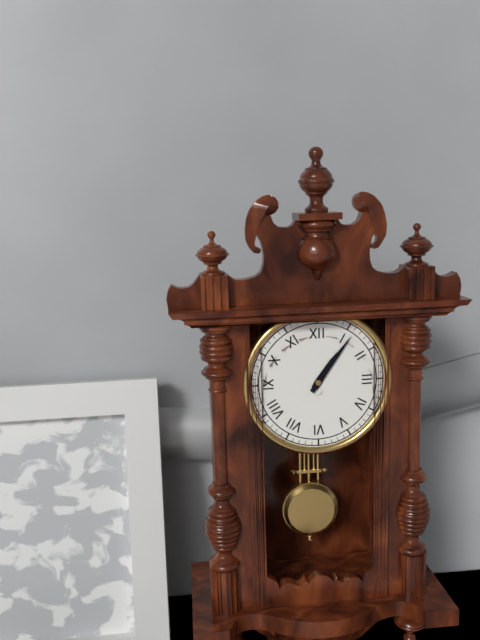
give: {"hour": 1, "minute": 6}
